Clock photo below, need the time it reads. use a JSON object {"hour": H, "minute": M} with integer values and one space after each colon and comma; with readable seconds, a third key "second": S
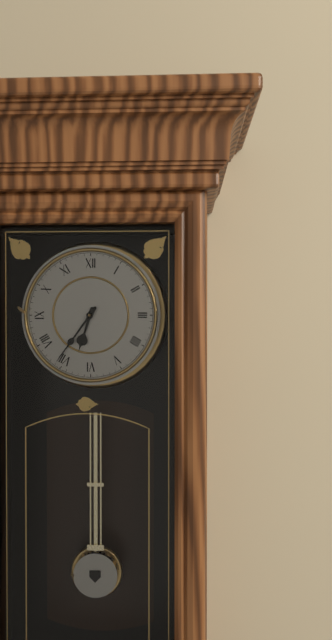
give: {"hour": 6, "minute": 36}
